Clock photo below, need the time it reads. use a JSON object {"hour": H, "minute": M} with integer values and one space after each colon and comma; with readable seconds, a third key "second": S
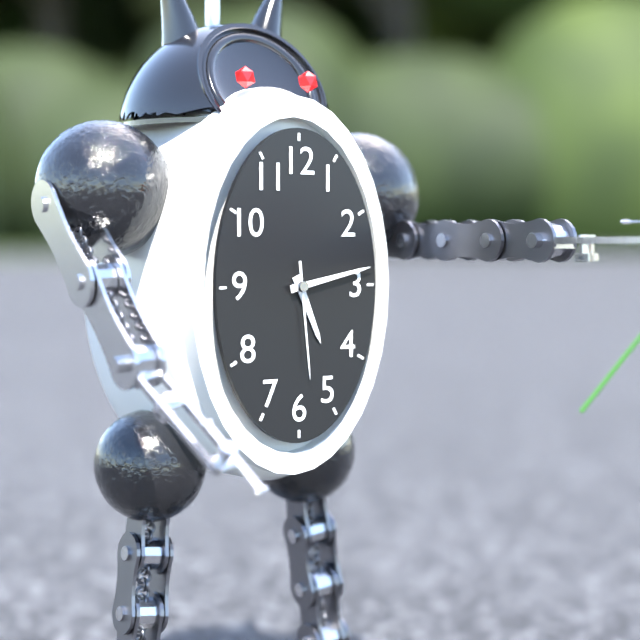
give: {"hour": 5, "minute": 13, "second": 29}
